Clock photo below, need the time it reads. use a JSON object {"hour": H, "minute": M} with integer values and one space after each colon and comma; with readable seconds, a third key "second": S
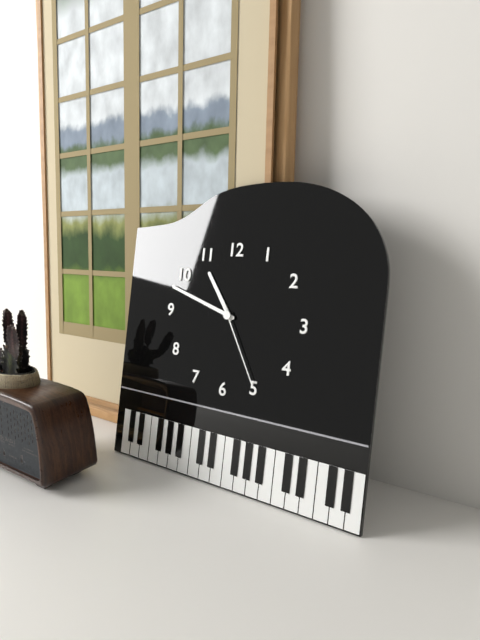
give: {"hour": 10, "minute": 48, "second": 25}
